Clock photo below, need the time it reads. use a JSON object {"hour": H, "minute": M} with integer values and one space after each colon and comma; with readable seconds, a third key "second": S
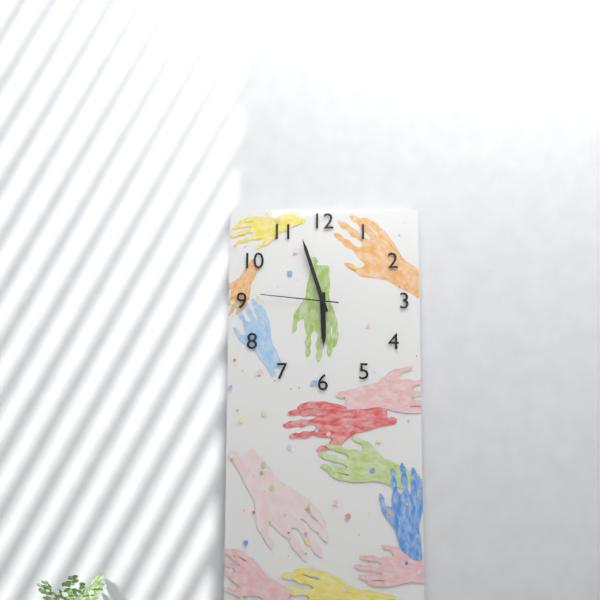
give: {"hour": 5, "minute": 57, "second": 46}
